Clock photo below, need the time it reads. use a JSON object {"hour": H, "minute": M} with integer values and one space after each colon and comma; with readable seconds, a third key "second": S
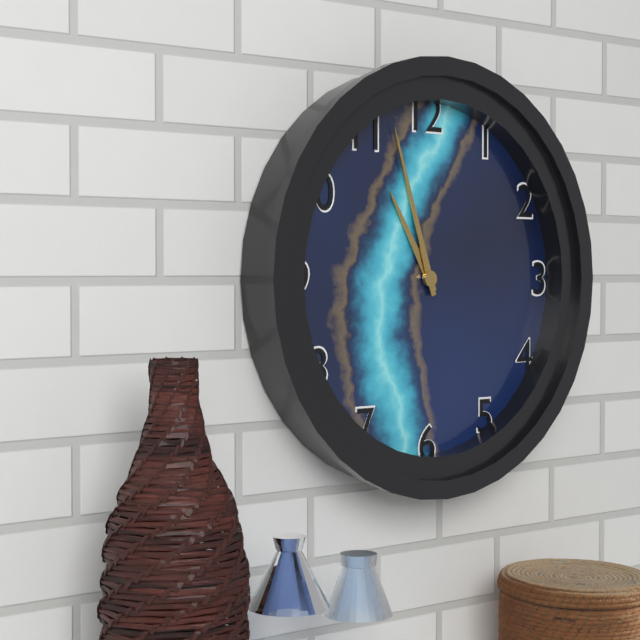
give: {"hour": 10, "minute": 57}
